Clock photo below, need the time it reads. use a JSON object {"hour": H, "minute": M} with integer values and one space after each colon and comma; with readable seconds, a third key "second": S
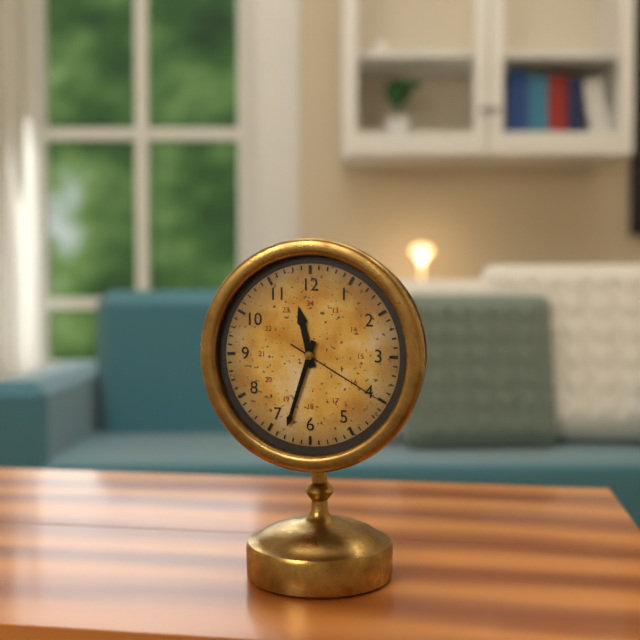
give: {"hour": 11, "minute": 33, "second": 20}
